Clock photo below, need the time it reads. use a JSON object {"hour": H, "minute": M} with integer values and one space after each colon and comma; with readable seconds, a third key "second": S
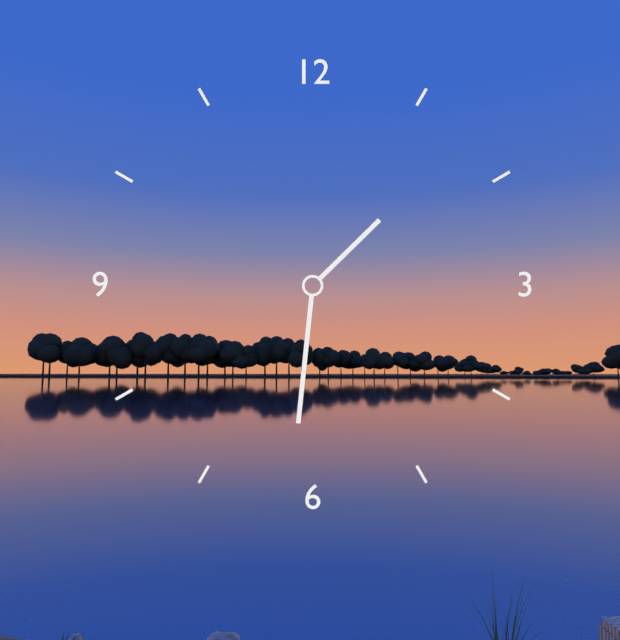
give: {"hour": 1, "minute": 31}
